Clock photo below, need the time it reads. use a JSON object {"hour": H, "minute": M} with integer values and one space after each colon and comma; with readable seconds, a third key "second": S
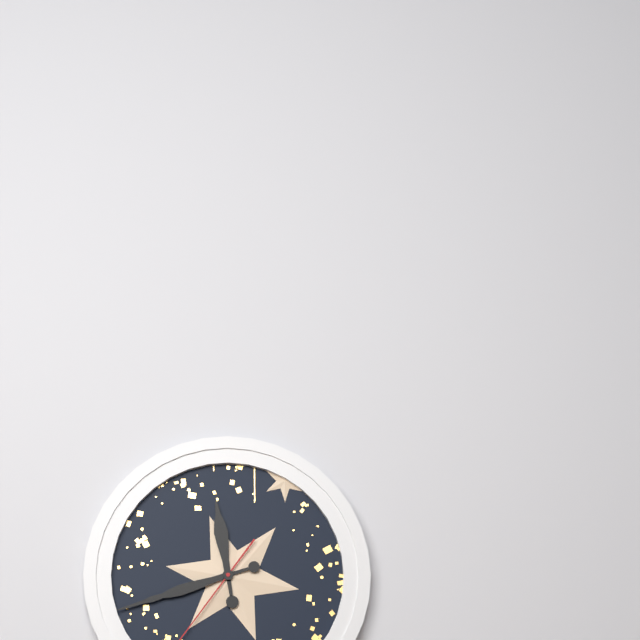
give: {"hour": 11, "minute": 42}
